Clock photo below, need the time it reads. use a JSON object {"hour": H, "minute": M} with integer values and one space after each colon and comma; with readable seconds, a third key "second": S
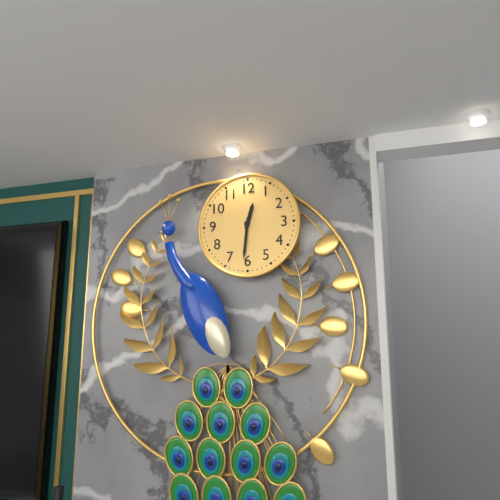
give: {"hour": 12, "minute": 31}
